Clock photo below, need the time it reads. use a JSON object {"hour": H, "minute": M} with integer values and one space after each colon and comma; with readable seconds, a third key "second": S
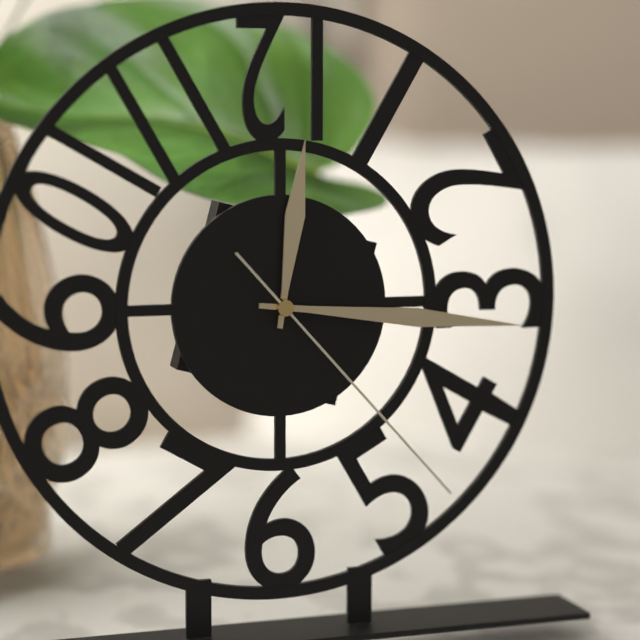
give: {"hour": 12, "minute": 16, "second": 23}
